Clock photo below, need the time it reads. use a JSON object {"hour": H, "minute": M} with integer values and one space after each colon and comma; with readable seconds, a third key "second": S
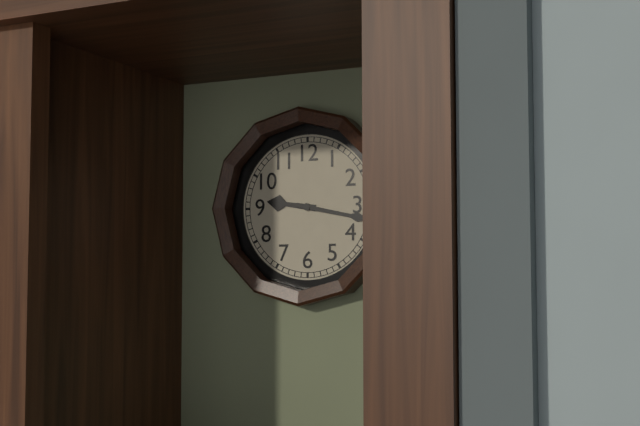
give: {"hour": 9, "minute": 17}
